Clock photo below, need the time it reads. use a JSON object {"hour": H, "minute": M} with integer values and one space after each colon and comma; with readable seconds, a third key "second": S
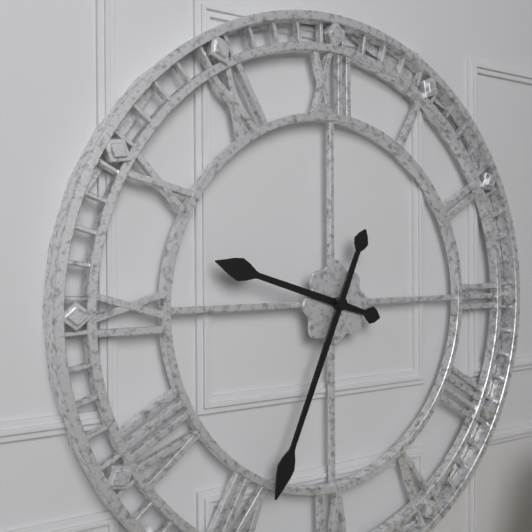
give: {"hour": 9, "minute": 34}
